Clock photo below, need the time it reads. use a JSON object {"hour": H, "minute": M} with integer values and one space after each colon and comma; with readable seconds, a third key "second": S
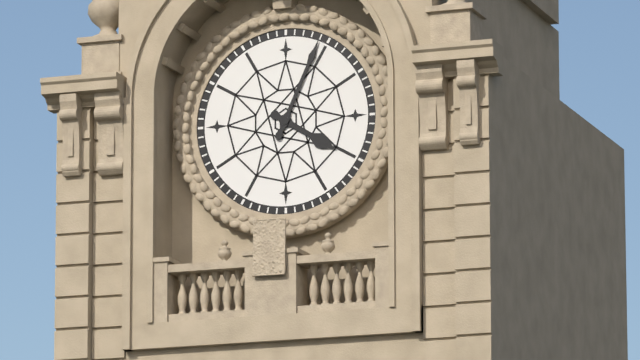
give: {"hour": 4, "minute": 4}
